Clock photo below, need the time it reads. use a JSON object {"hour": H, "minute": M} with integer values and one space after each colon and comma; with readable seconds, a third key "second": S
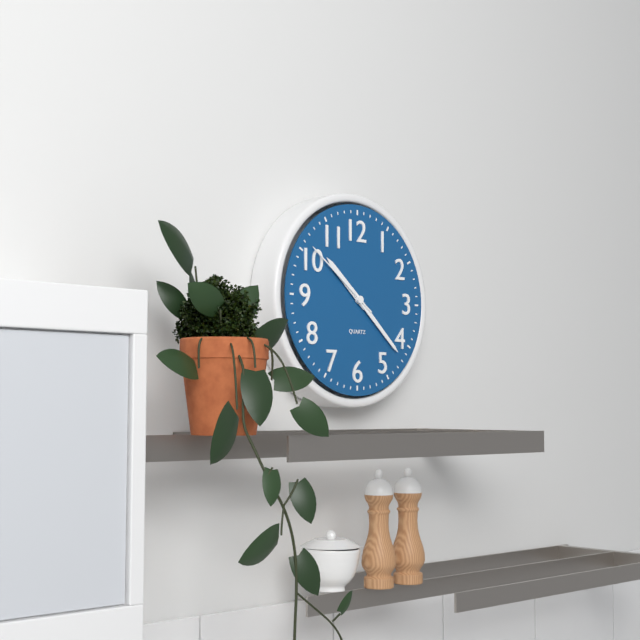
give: {"hour": 10, "minute": 22, "second": 51}
